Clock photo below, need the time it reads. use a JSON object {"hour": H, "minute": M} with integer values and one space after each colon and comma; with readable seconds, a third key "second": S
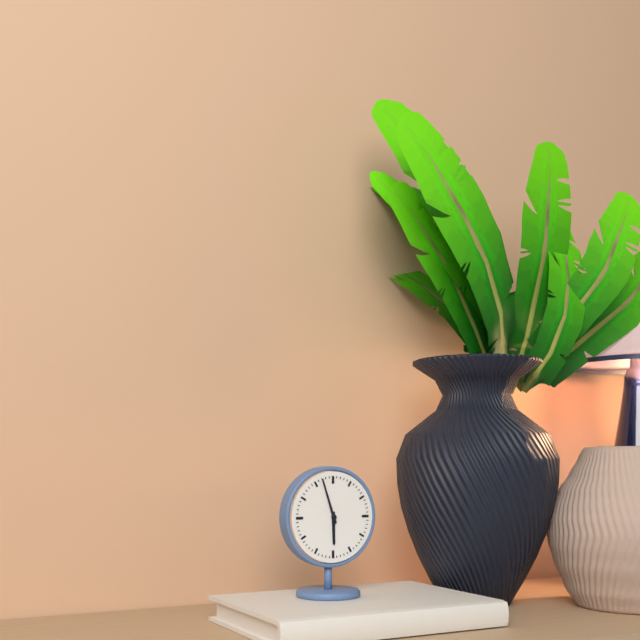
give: {"hour": 5, "minute": 57}
